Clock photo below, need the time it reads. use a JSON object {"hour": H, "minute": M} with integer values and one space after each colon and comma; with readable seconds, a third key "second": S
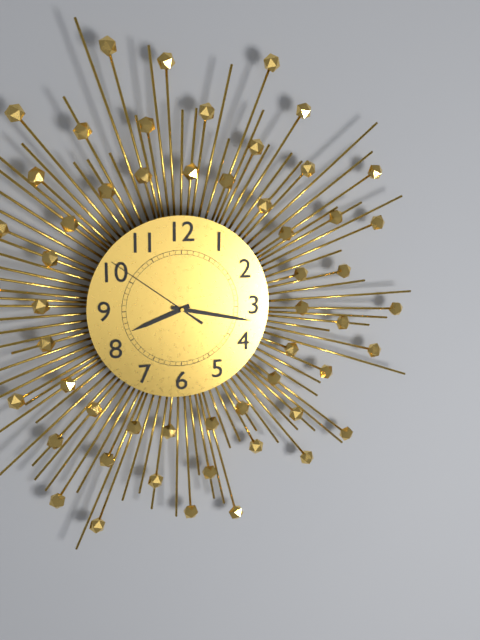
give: {"hour": 8, "minute": 17, "second": 51}
